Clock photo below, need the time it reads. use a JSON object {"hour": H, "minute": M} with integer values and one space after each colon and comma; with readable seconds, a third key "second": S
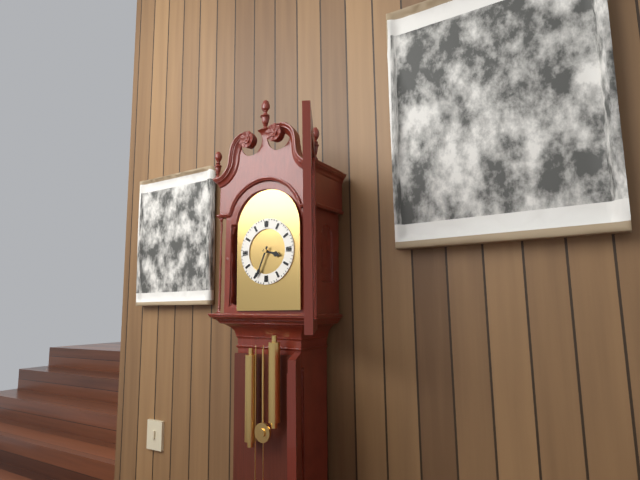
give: {"hour": 3, "minute": 34}
